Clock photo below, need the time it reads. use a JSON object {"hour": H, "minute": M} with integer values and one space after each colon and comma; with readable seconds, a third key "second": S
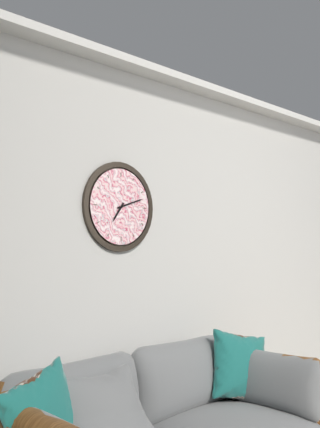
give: {"hour": 7, "minute": 12}
